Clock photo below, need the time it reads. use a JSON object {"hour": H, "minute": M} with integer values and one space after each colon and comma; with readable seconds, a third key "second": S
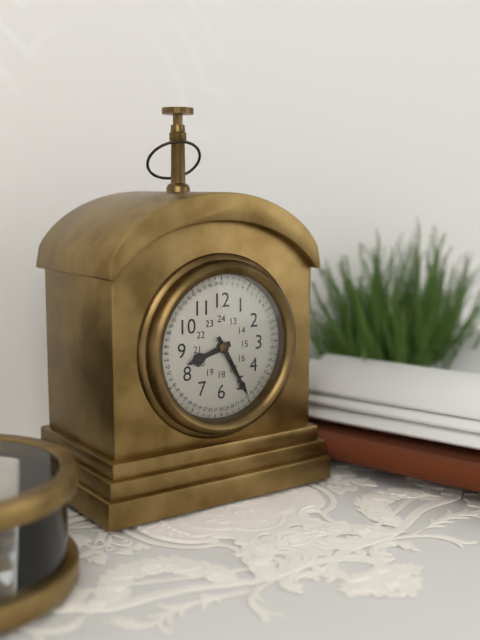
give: {"hour": 8, "minute": 25}
